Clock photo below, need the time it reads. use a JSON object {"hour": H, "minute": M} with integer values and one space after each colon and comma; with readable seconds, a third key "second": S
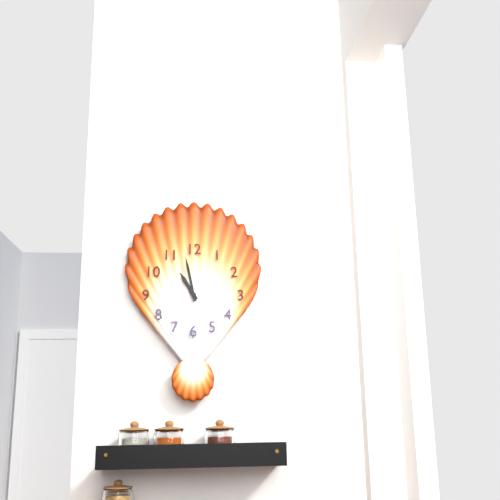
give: {"hour": 10, "minute": 58}
